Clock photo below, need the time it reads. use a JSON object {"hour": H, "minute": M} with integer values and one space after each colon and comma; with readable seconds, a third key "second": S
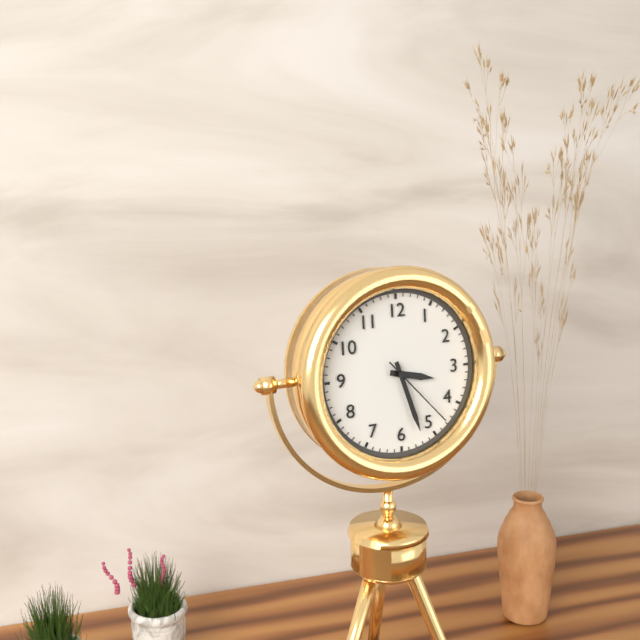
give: {"hour": 3, "minute": 27, "second": 23}
